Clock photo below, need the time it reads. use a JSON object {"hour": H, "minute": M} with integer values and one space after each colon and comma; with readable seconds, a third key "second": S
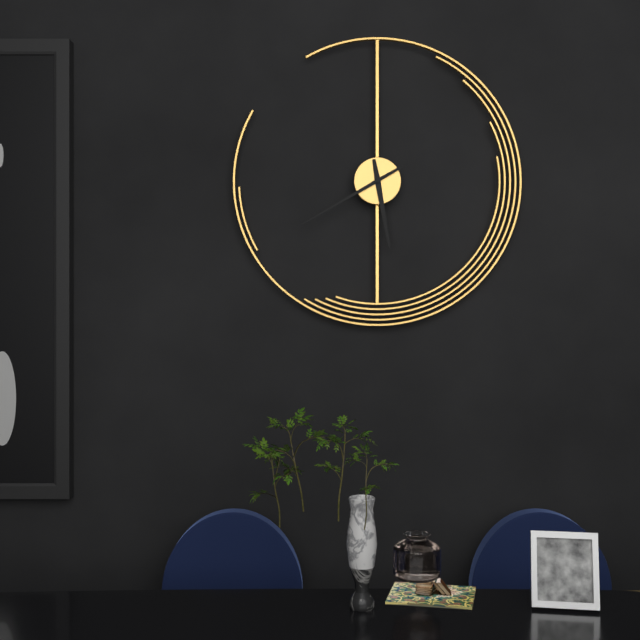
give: {"hour": 5, "minute": 40}
